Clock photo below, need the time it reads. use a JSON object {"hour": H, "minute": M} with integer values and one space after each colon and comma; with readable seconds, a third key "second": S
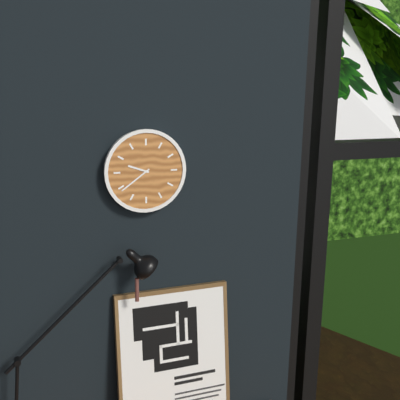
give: {"hour": 9, "minute": 39}
